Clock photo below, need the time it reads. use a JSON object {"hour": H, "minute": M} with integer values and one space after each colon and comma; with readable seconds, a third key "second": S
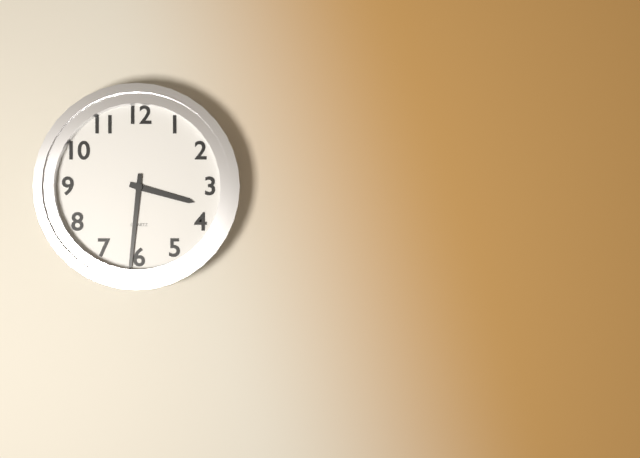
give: {"hour": 3, "minute": 31}
